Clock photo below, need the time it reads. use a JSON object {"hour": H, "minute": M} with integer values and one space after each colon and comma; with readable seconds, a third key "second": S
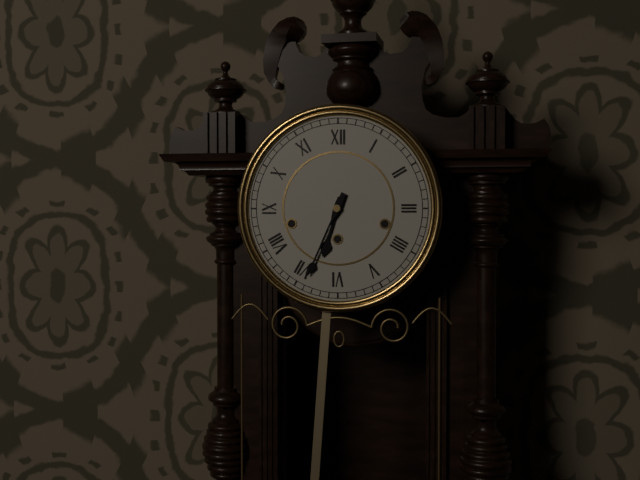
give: {"hour": 6, "minute": 34}
